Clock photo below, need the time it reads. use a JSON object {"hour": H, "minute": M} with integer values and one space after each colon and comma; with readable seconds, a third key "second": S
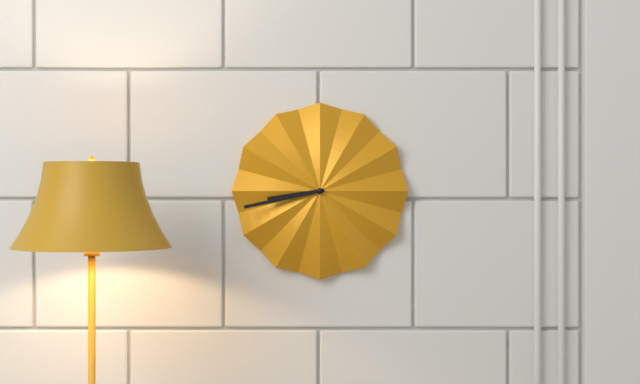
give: {"hour": 8, "minute": 43}
